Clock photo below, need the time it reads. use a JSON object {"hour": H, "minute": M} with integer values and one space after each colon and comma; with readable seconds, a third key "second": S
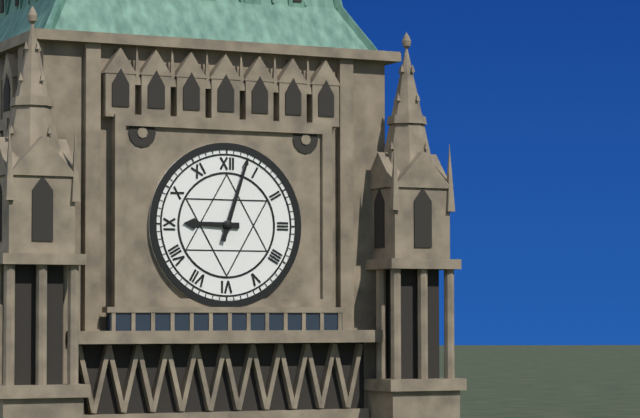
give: {"hour": 9, "minute": 3}
